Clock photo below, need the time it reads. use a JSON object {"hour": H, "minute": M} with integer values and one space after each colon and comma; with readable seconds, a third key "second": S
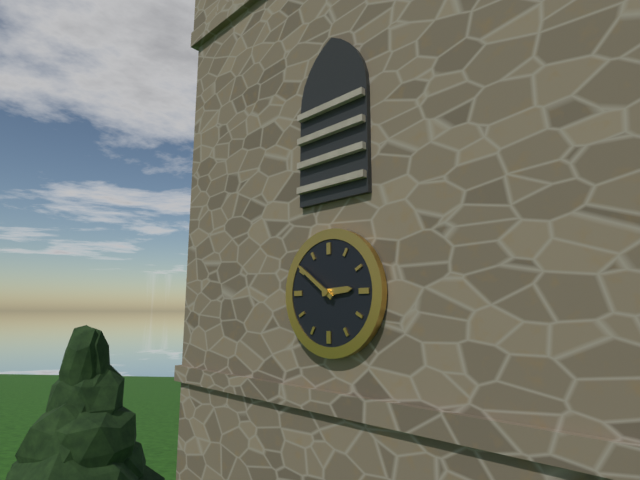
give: {"hour": 2, "minute": 51}
